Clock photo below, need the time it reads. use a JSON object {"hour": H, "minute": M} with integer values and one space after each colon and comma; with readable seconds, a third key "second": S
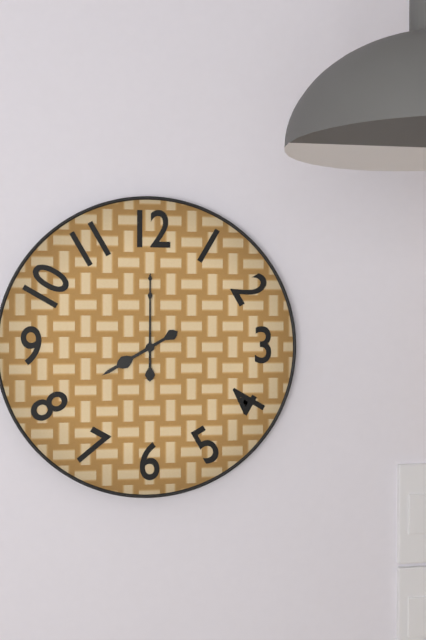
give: {"hour": 8, "minute": 0}
